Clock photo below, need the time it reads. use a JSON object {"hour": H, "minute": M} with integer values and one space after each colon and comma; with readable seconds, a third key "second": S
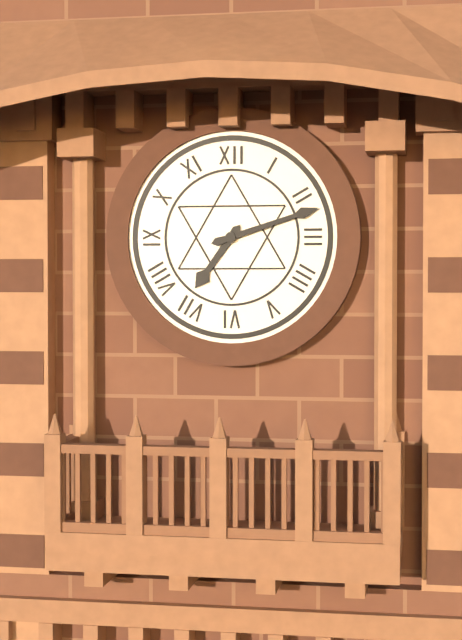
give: {"hour": 7, "minute": 12}
